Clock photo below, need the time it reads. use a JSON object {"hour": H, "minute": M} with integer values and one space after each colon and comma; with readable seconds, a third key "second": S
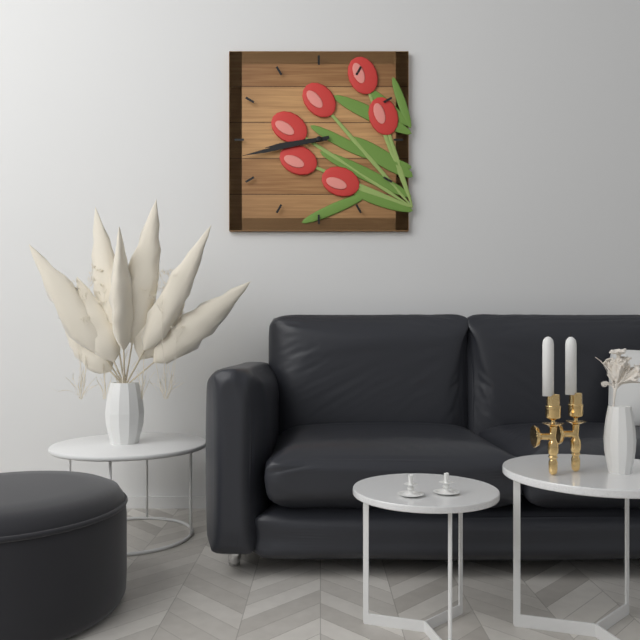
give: {"hour": 8, "minute": 43}
